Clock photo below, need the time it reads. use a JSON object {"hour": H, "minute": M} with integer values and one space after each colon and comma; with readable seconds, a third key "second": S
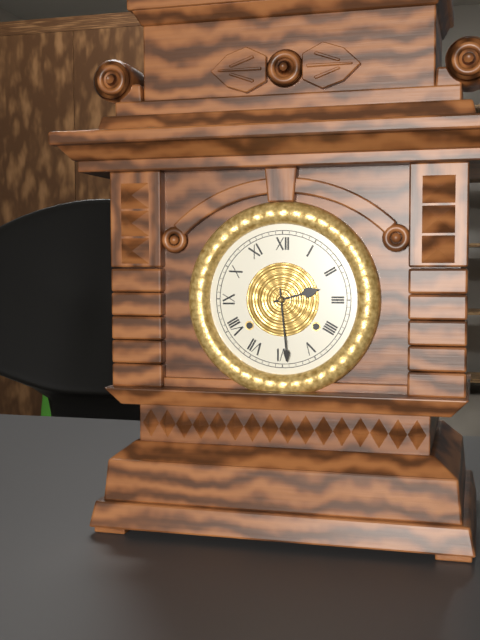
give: {"hour": 2, "minute": 29}
